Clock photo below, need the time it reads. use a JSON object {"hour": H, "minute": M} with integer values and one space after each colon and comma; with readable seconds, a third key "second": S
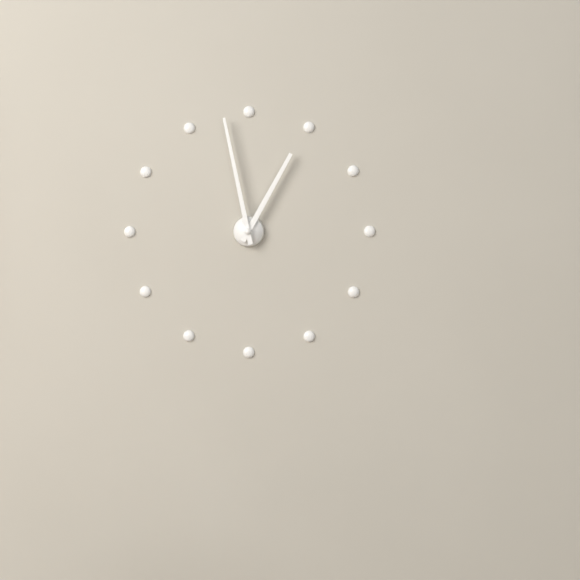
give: {"hour": 12, "minute": 58}
